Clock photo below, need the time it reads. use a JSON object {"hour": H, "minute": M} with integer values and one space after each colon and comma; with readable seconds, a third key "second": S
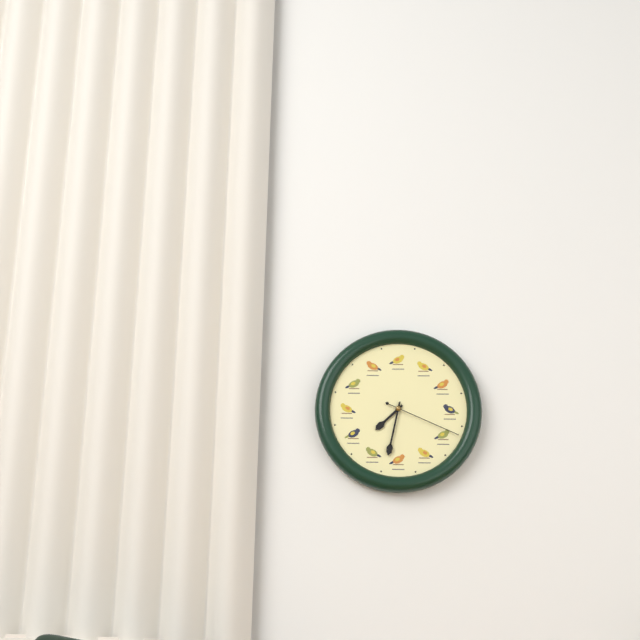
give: {"hour": 7, "minute": 32, "second": 19}
